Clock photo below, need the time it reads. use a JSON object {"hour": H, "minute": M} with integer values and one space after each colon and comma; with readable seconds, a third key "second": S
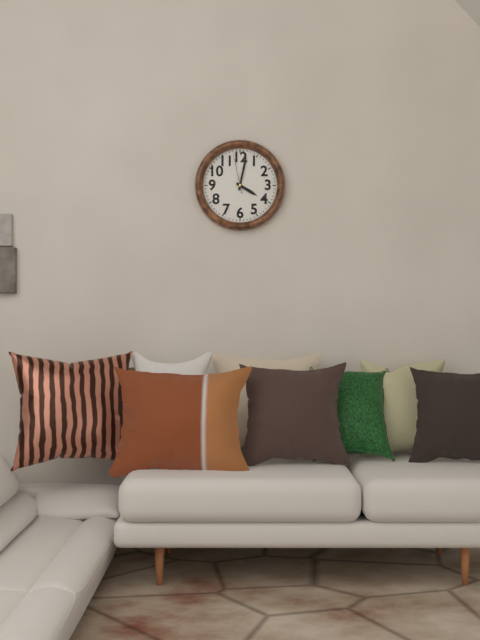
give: {"hour": 4, "minute": 2}
